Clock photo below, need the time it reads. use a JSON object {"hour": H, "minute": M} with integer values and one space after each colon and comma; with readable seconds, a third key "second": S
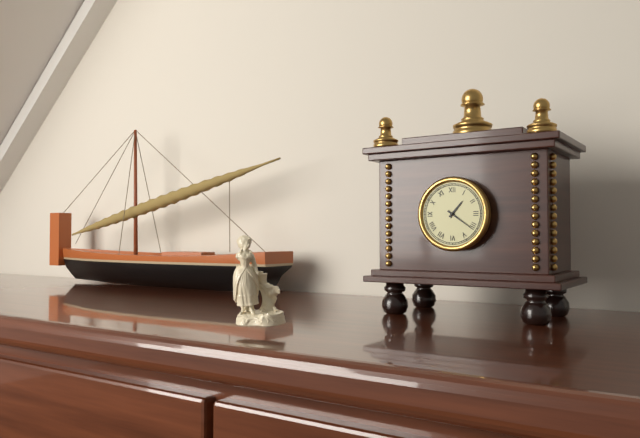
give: {"hour": 1, "minute": 21}
